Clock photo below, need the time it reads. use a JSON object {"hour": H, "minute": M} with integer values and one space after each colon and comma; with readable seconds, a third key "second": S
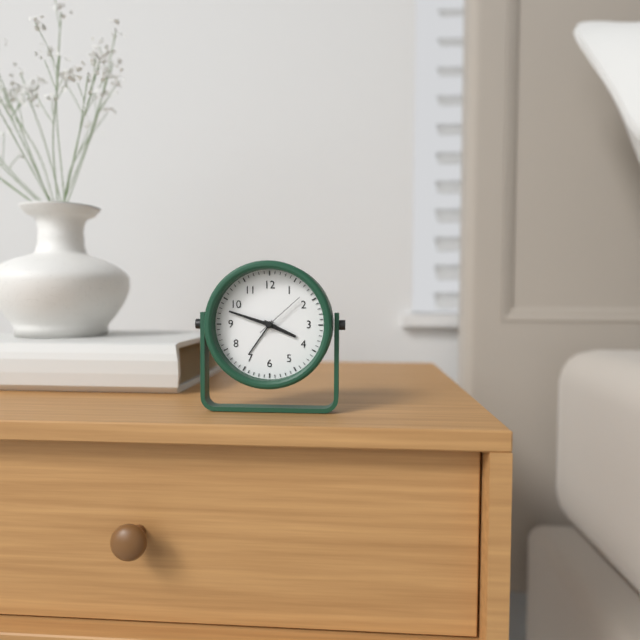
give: {"hour": 3, "minute": 48, "second": 8}
